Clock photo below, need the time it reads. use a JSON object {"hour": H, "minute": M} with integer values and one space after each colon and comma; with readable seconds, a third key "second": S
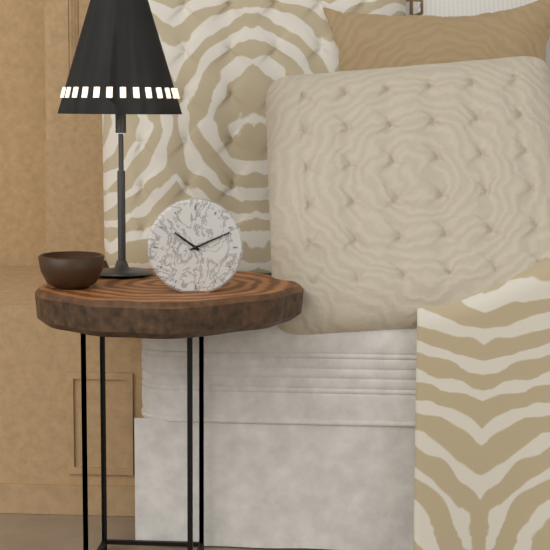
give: {"hour": 10, "minute": 11}
